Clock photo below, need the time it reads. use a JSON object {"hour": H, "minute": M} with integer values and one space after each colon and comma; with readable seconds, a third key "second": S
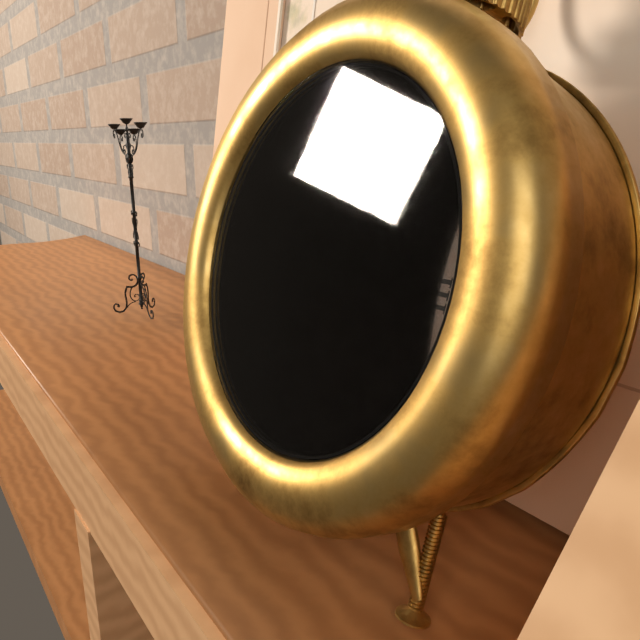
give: {"hour": 8, "minute": 2, "second": 46}
